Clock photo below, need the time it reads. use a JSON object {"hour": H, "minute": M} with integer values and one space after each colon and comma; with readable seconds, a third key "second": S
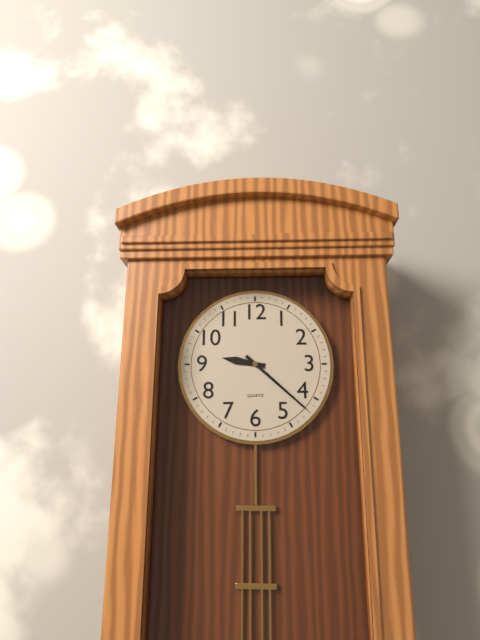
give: {"hour": 9, "minute": 22}
